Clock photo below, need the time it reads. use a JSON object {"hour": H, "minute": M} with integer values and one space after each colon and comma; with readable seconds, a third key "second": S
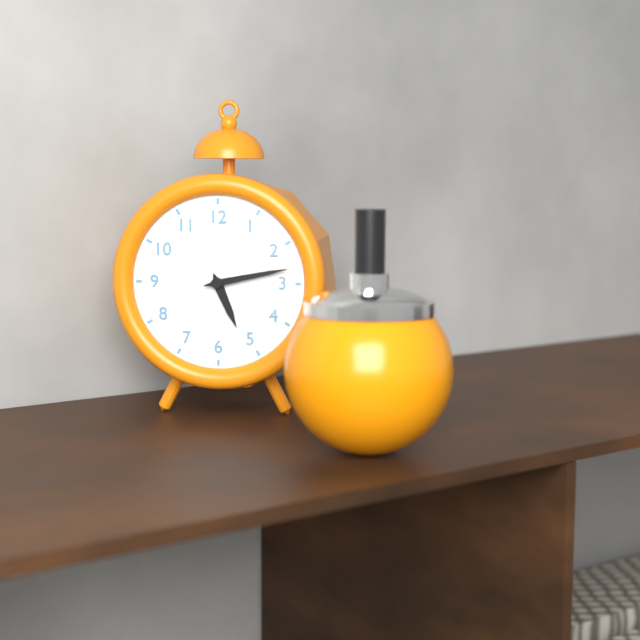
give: {"hour": 5, "minute": 13}
